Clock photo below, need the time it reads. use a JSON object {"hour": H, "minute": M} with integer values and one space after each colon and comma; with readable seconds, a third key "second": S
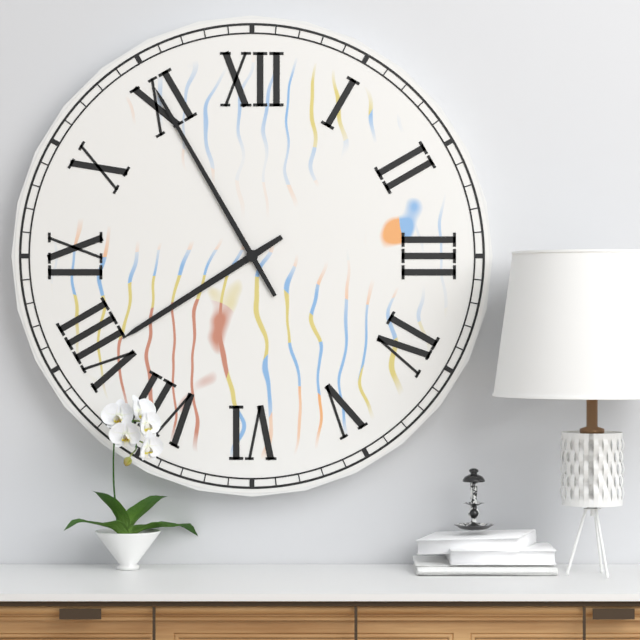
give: {"hour": 7, "minute": 55}
